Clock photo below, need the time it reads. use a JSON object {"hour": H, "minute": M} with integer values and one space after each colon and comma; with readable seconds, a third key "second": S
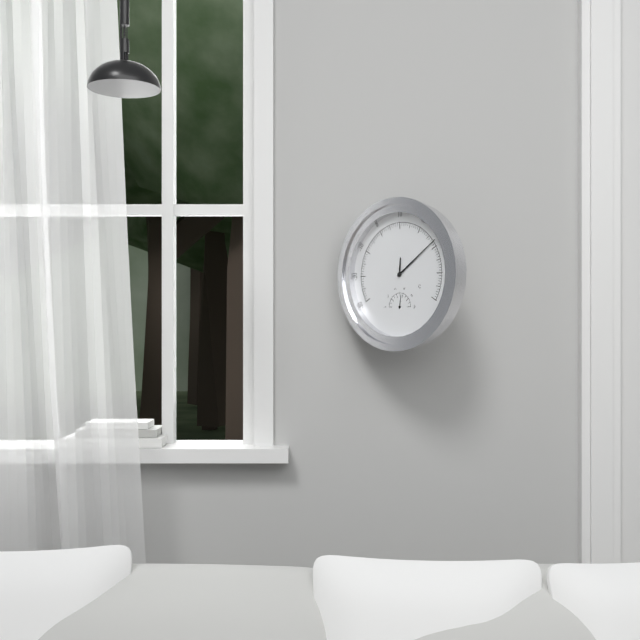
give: {"hour": 12, "minute": 9}
